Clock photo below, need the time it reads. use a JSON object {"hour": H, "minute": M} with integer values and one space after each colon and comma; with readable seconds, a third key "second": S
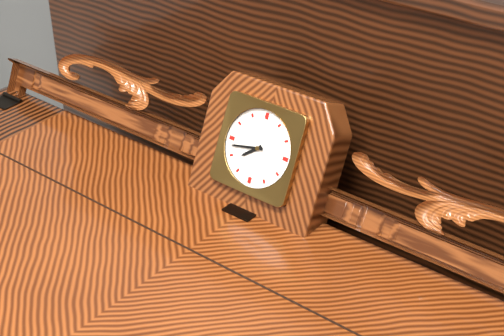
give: {"hour": 7, "minute": 43}
